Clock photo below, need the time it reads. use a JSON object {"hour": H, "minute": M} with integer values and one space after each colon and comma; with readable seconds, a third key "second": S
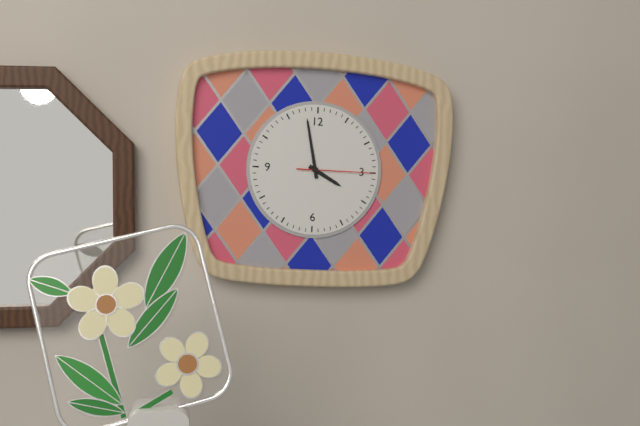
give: {"hour": 3, "minute": 58, "second": 15}
